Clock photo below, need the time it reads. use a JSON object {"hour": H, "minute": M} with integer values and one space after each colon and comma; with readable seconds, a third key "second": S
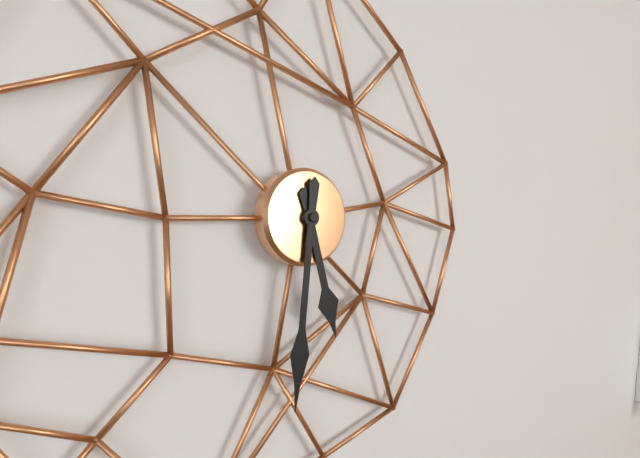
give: {"hour": 5, "minute": 31}
